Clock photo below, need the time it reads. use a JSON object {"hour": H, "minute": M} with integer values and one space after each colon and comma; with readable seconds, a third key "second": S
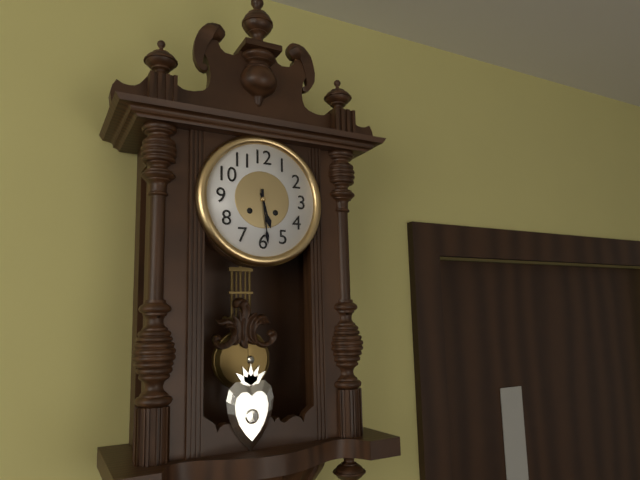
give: {"hour": 5, "minute": 29}
